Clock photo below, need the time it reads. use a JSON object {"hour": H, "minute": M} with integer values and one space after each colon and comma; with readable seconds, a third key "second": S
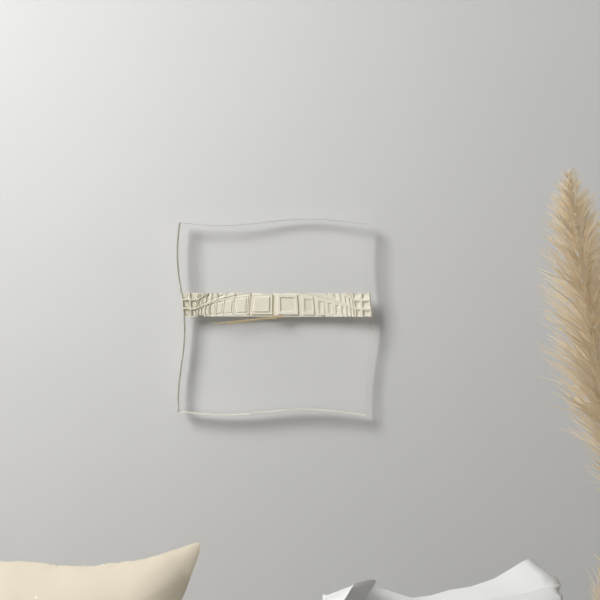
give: {"hour": 8, "minute": 44}
